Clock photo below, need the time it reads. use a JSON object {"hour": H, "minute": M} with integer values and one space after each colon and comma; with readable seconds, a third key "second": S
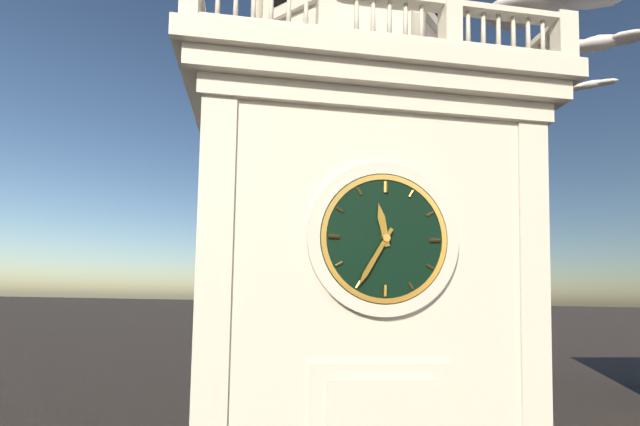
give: {"hour": 11, "minute": 35}
